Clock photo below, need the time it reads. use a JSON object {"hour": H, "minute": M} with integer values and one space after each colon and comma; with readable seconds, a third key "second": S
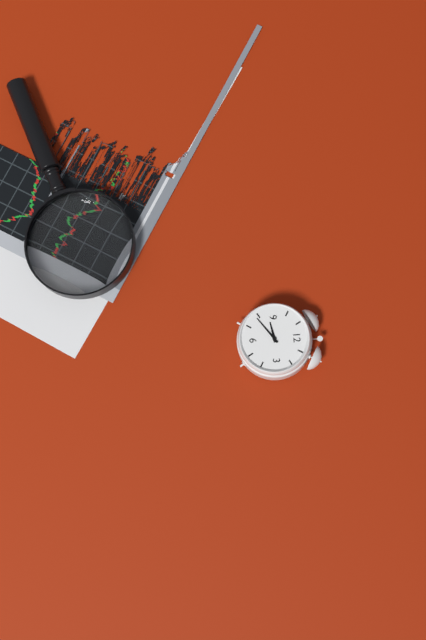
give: {"hour": 8, "minute": 39}
